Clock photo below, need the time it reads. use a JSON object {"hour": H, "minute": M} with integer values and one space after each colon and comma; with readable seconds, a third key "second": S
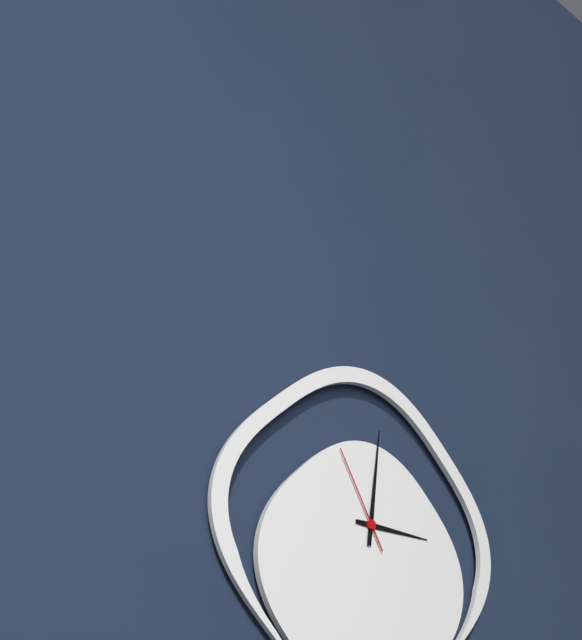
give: {"hour": 3, "minute": 1, "second": 55}
